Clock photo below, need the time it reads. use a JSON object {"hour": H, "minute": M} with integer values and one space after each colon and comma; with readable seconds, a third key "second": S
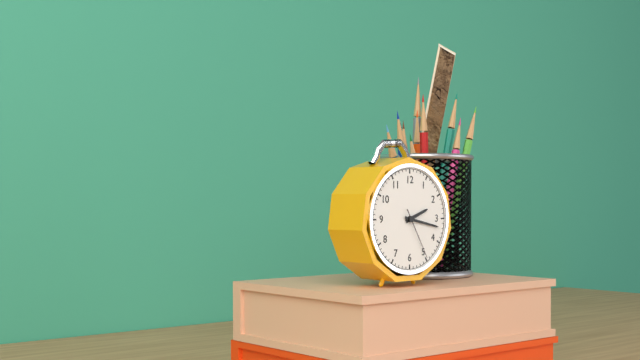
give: {"hour": 2, "minute": 17, "second": 25}
